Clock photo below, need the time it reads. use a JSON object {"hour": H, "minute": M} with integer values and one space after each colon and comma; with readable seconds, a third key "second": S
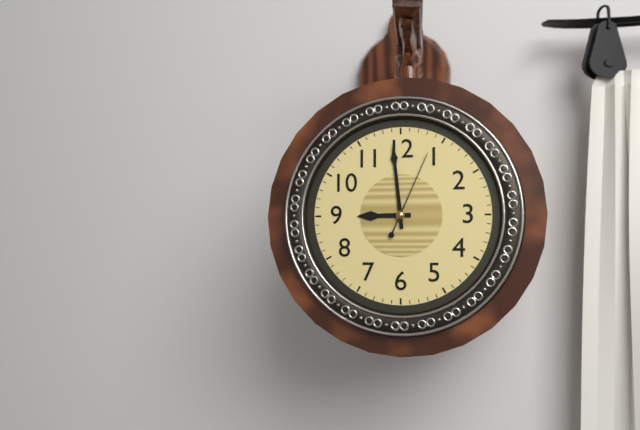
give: {"hour": 8, "minute": 59, "second": 4}
